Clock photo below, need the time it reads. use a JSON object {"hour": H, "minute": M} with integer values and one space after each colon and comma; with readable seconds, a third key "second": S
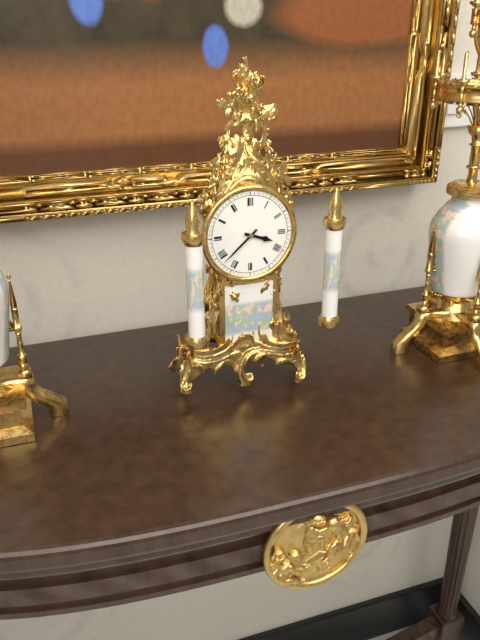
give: {"hour": 3, "minute": 38}
